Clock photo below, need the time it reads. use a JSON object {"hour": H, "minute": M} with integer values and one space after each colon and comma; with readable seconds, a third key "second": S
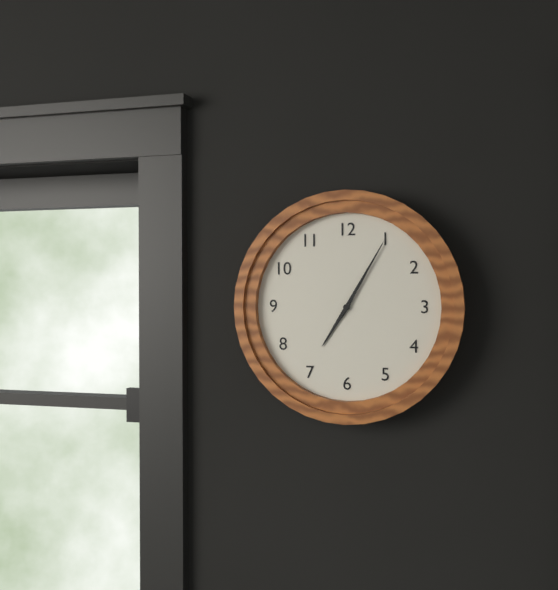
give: {"hour": 7, "minute": 5}
